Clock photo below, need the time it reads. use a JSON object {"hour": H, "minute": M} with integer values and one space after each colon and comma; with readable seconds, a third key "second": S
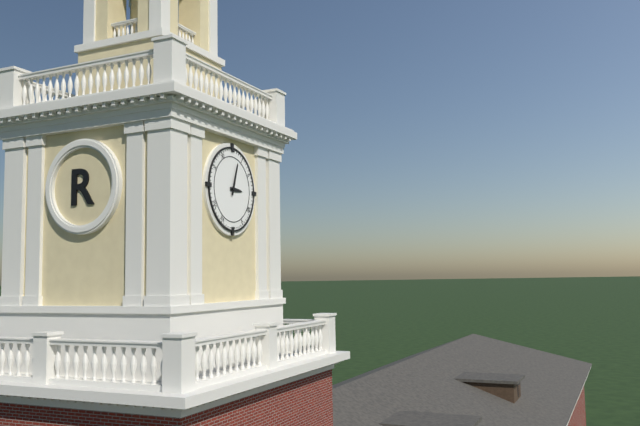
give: {"hour": 3, "minute": 3}
